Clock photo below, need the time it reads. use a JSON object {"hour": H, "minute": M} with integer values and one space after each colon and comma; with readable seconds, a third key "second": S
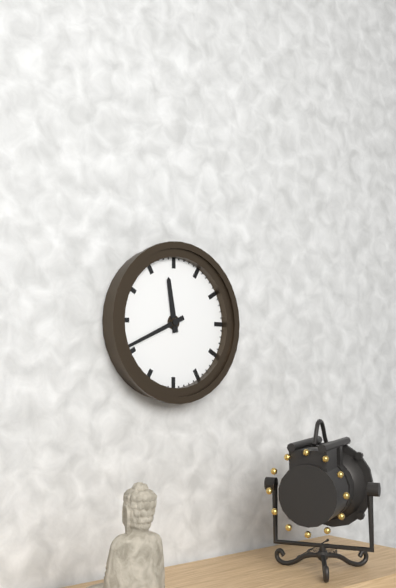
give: {"hour": 11, "minute": 41}
